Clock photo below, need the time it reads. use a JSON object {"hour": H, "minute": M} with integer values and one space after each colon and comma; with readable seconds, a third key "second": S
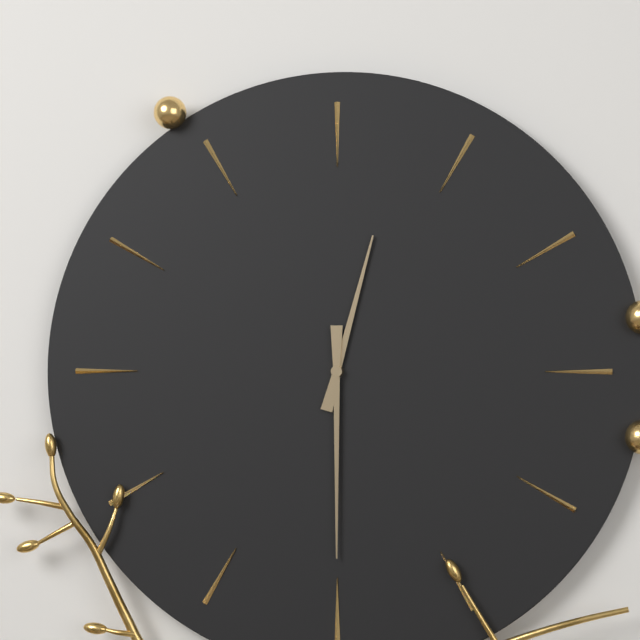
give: {"hour": 12, "minute": 30}
